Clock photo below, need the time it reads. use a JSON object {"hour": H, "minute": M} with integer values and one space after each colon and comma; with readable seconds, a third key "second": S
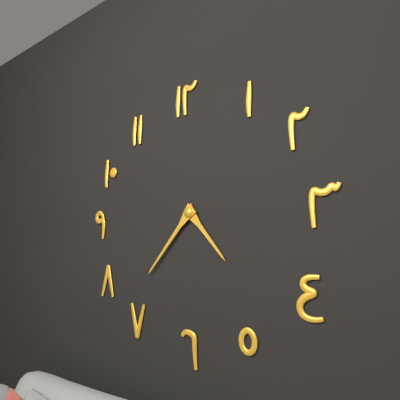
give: {"hour": 4, "minute": 37}
